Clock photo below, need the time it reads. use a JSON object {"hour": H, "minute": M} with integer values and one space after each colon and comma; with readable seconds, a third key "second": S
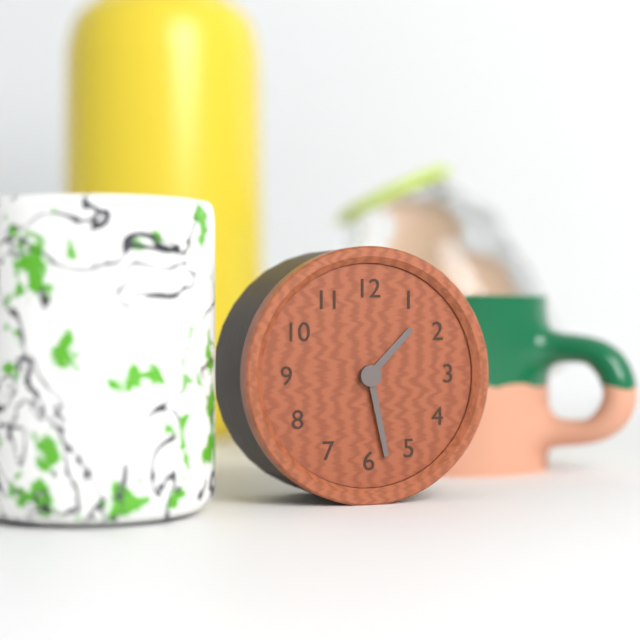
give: {"hour": 1, "minute": 28}
